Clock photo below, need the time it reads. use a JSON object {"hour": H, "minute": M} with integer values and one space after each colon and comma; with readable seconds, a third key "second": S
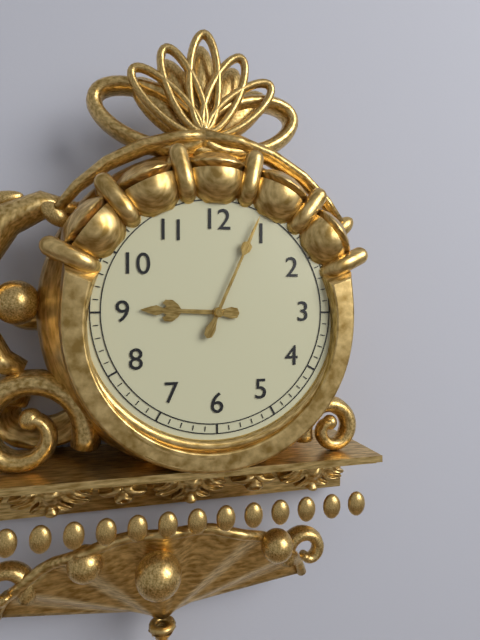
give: {"hour": 9, "minute": 4}
